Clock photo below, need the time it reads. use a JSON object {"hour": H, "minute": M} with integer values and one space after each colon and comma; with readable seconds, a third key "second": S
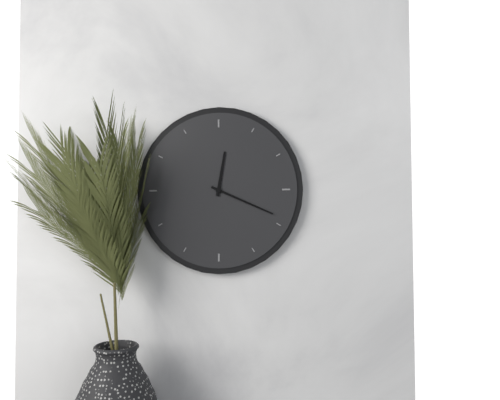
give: {"hour": 12, "minute": 19}
